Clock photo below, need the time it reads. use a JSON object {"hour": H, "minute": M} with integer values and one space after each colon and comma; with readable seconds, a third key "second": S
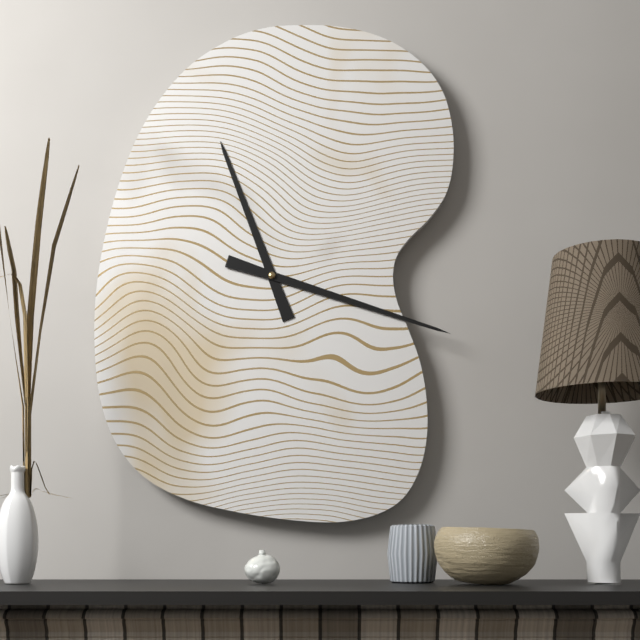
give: {"hour": 11, "minute": 18}
